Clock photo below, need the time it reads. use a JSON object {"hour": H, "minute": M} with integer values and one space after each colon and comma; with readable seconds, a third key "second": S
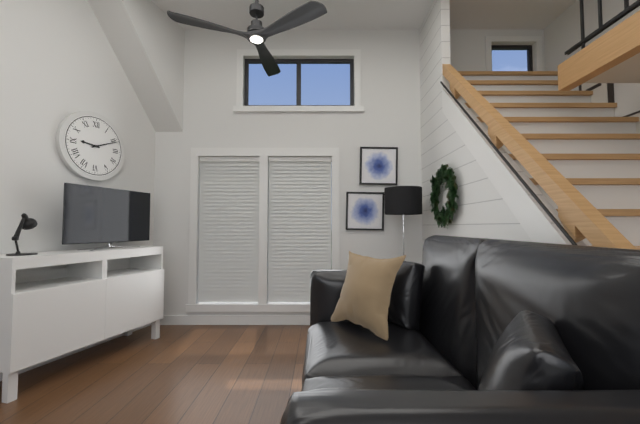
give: {"hour": 9, "minute": 11}
